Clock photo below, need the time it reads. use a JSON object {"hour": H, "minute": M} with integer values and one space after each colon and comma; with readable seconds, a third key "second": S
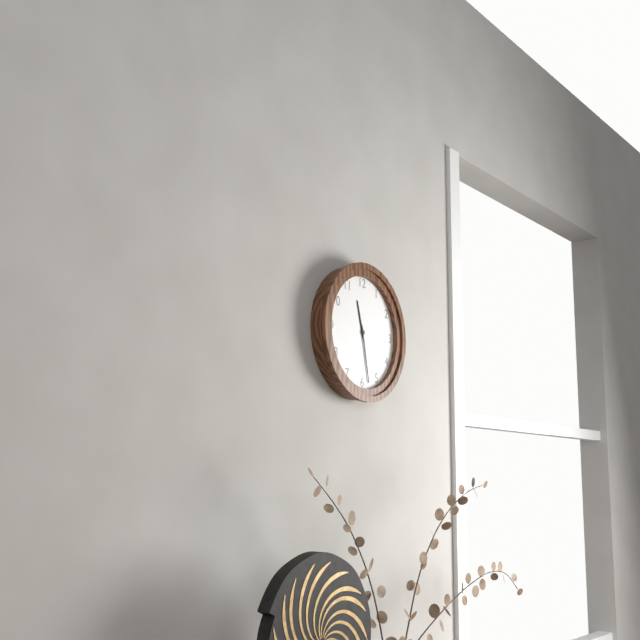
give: {"hour": 11, "minute": 28}
